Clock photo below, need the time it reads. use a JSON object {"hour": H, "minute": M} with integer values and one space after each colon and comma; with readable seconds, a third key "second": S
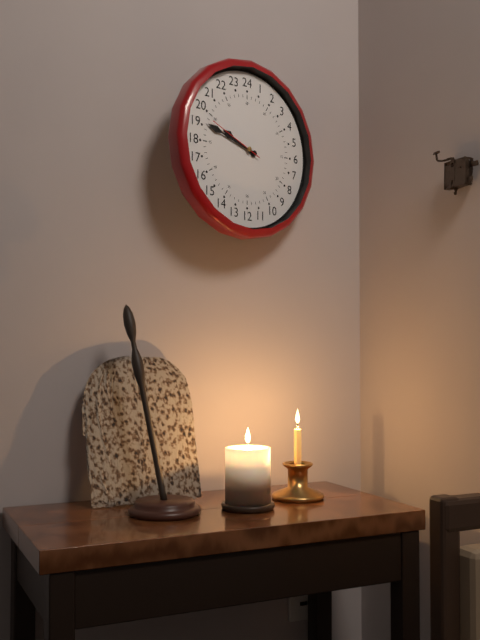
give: {"hour": 9, "minute": 48, "second": 49}
